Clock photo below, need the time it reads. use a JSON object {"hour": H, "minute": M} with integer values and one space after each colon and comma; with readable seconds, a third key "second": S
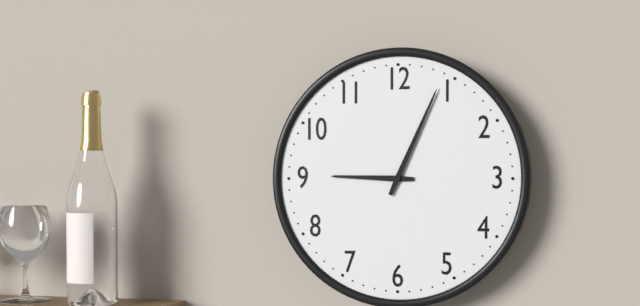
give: {"hour": 9, "minute": 4}
